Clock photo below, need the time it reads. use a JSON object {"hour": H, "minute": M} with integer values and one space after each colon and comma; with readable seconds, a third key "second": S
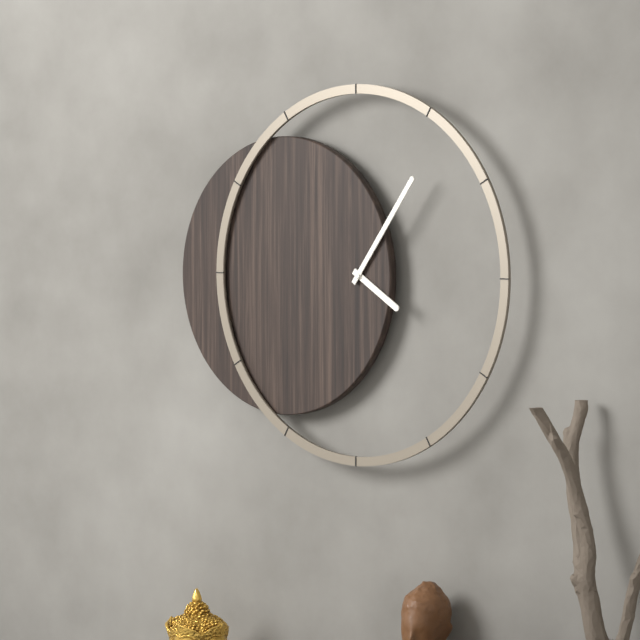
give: {"hour": 4, "minute": 6}
